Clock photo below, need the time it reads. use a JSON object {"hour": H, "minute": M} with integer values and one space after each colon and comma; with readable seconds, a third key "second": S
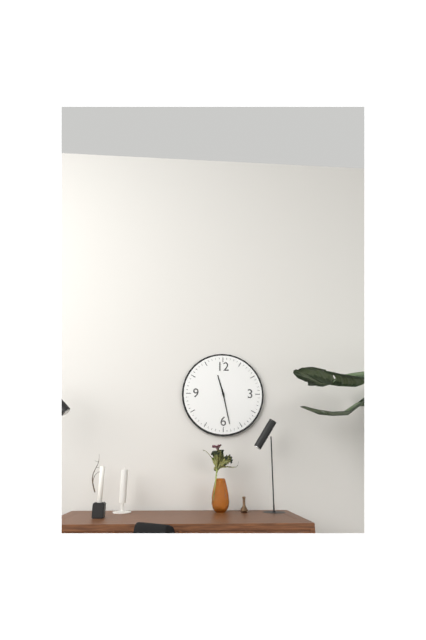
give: {"hour": 11, "minute": 28}
